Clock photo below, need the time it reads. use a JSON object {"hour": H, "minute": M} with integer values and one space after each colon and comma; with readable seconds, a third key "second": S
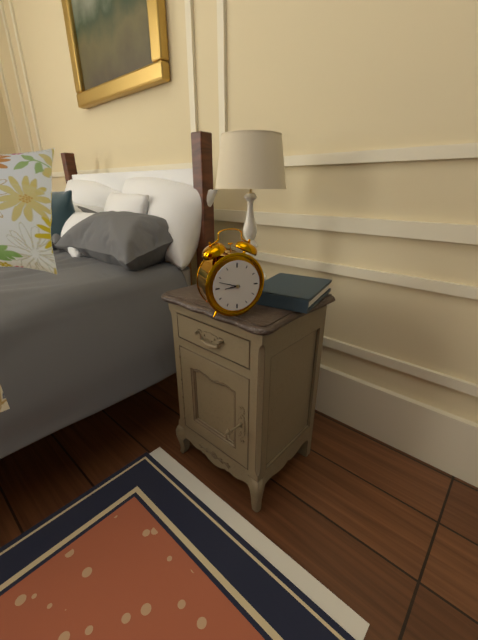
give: {"hour": 8, "minute": 48}
